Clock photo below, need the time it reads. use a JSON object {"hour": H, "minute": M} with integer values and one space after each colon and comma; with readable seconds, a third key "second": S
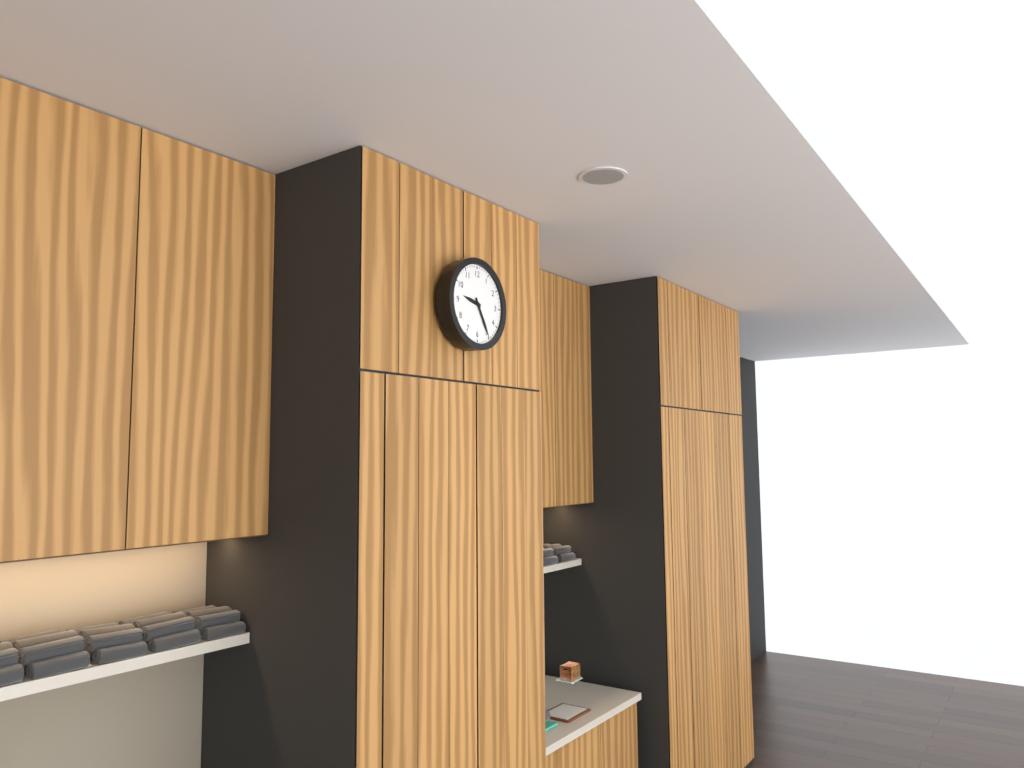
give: {"hour": 9, "minute": 25}
